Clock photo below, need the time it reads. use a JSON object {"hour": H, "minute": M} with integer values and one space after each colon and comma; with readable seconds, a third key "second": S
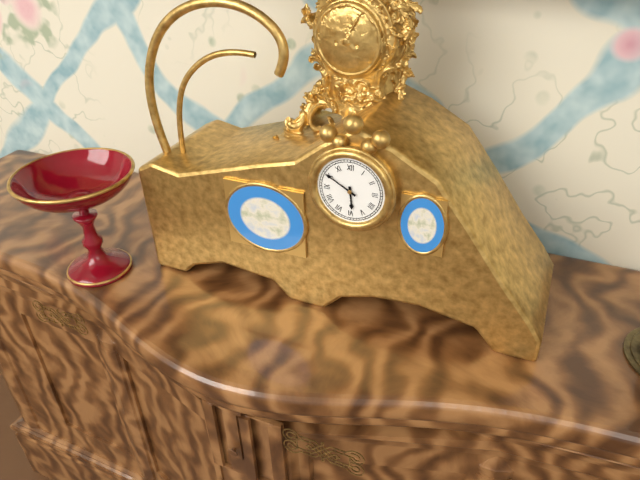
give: {"hour": 5, "minute": 50}
